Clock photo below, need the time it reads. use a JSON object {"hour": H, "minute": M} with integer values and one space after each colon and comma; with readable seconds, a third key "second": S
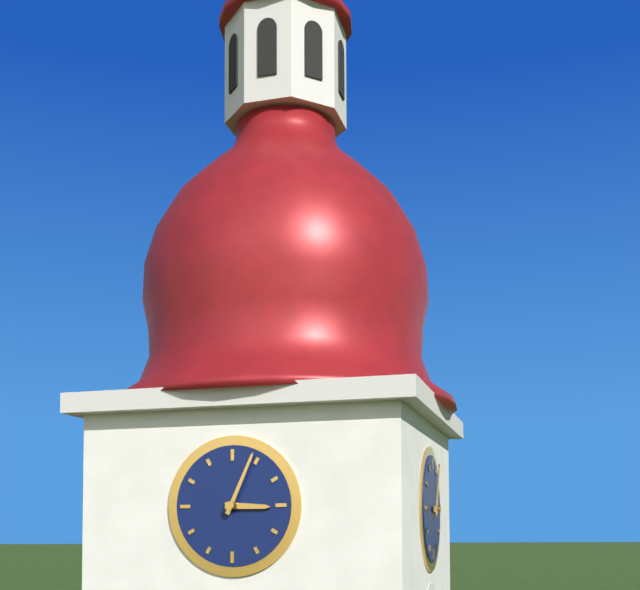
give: {"hour": 3, "minute": 4}
